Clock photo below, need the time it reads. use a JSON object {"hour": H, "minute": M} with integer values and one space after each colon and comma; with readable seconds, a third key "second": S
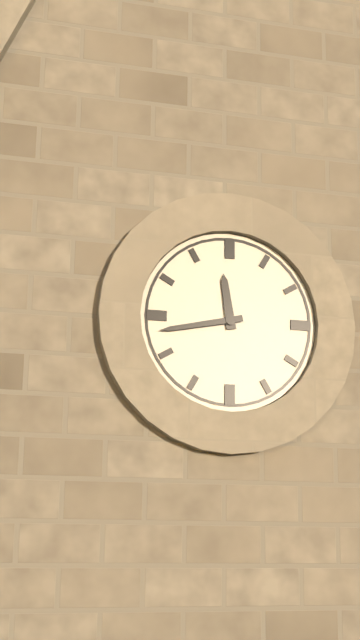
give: {"hour": 11, "minute": 43}
